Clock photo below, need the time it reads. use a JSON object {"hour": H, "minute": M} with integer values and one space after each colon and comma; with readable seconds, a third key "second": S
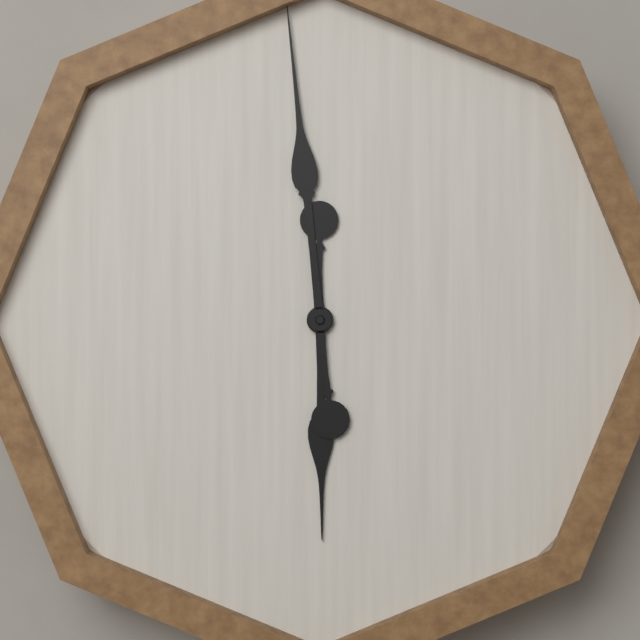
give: {"hour": 5, "minute": 59}
